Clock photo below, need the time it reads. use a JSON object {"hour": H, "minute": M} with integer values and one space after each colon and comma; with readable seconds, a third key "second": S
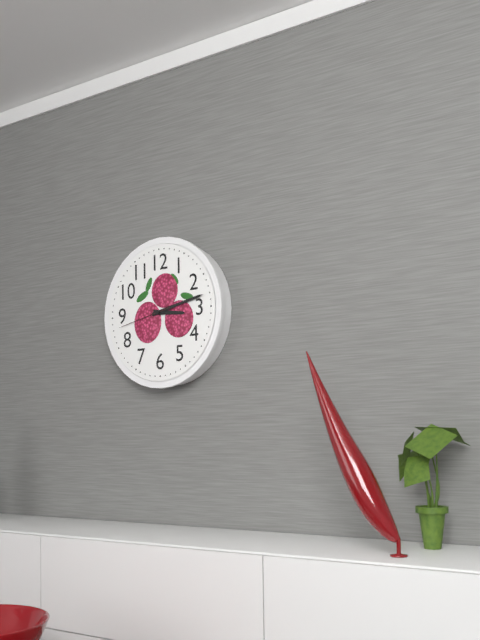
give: {"hour": 3, "minute": 13, "second": 43}
